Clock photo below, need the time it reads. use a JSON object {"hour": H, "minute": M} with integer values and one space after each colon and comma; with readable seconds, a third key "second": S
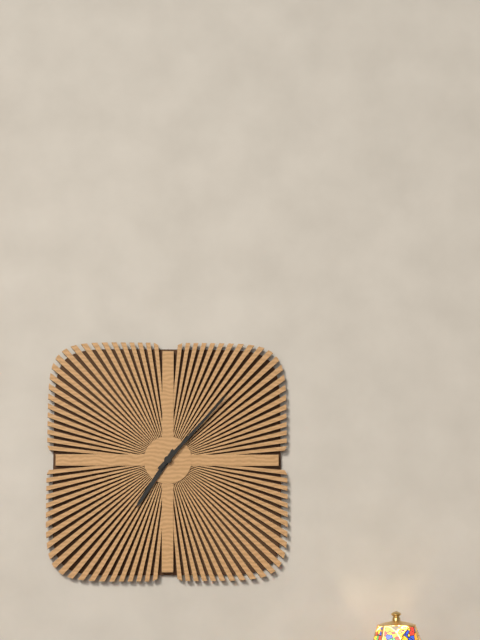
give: {"hour": 7, "minute": 7}
